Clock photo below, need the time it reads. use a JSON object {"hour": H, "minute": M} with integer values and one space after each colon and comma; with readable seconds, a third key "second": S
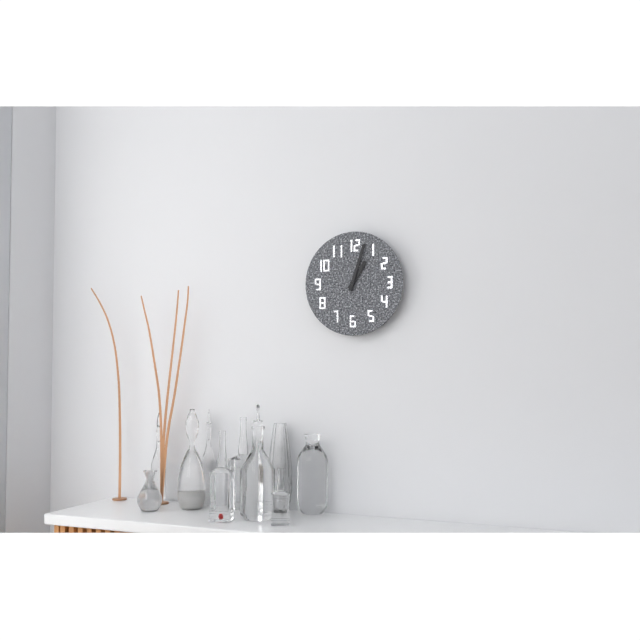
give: {"hour": 1, "minute": 3}
